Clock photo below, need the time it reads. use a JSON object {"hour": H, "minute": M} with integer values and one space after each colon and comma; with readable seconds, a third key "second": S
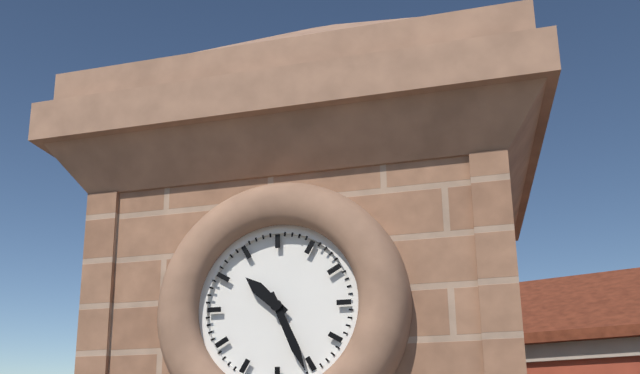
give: {"hour": 10, "minute": 26}
